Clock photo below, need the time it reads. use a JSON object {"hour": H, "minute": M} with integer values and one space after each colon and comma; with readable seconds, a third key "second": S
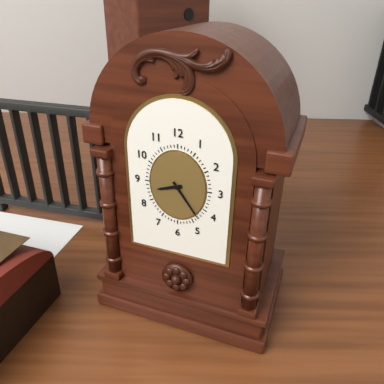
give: {"hour": 8, "minute": 24}
